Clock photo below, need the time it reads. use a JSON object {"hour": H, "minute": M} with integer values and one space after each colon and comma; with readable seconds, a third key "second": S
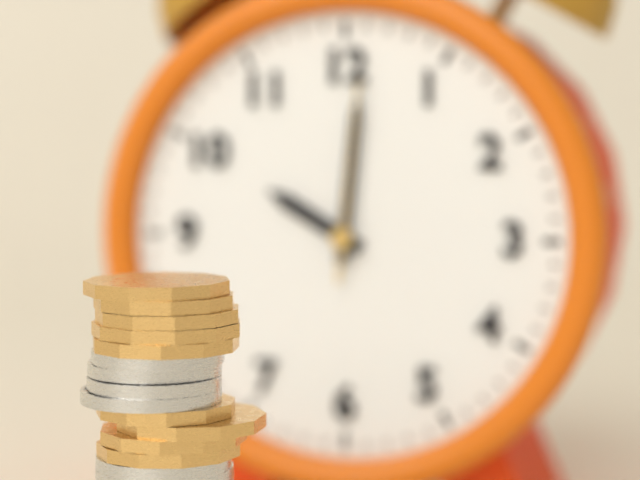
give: {"hour": 10, "minute": 1, "second": 1}
